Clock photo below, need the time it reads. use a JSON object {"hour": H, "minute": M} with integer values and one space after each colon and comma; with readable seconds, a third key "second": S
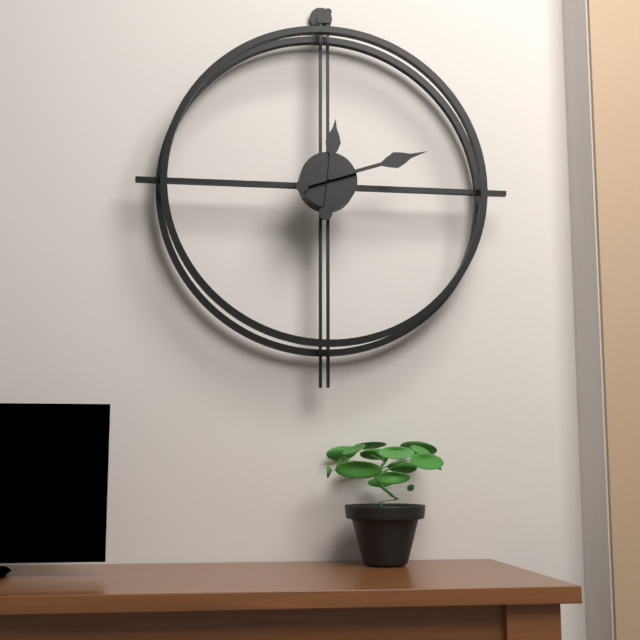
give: {"hour": 12, "minute": 12}
